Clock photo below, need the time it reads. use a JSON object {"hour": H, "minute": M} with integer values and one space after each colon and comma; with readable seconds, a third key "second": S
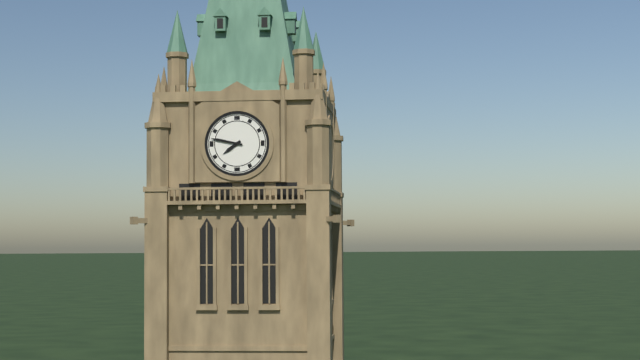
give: {"hour": 7, "minute": 47}
